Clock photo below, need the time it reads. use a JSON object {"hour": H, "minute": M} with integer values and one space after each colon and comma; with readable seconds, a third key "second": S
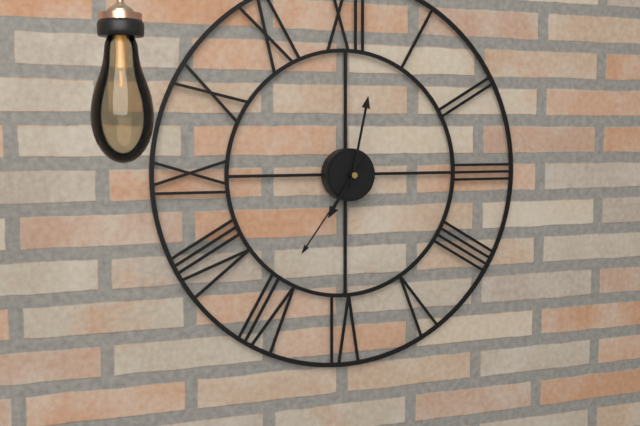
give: {"hour": 7, "minute": 2, "second": 36}
